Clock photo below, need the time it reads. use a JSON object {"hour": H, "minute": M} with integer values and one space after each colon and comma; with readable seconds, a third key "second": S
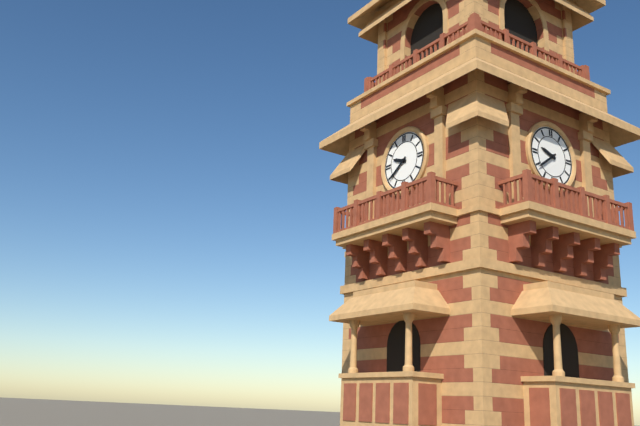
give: {"hour": 9, "minute": 39}
